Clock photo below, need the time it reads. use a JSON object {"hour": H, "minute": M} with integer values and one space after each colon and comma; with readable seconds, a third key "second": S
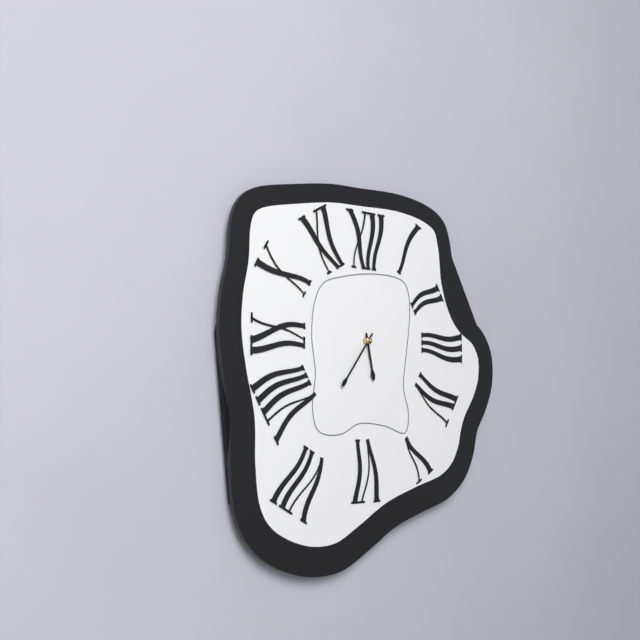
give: {"hour": 5, "minute": 36}
